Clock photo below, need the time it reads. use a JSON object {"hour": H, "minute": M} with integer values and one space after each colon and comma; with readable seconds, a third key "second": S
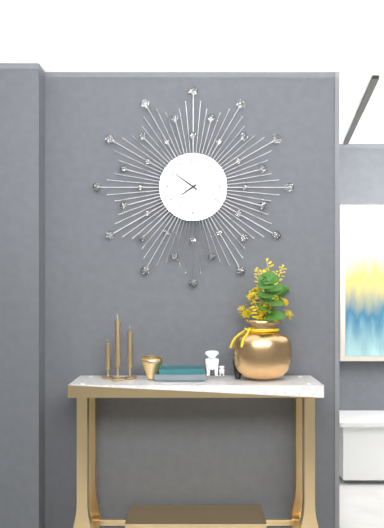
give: {"hour": 7, "minute": 51}
